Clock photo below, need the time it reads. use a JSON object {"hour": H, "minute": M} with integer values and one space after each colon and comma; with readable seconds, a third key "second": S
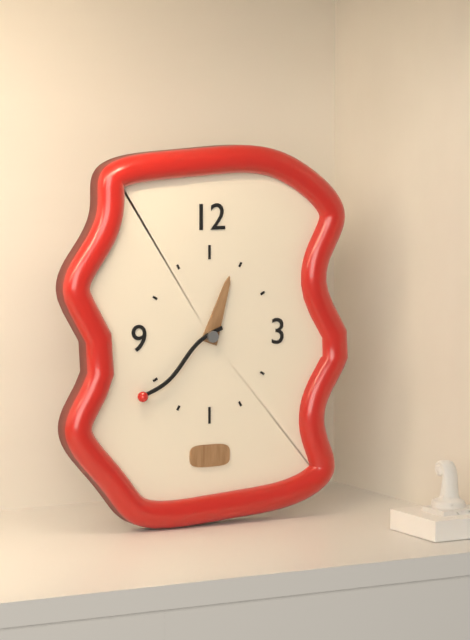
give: {"hour": 12, "minute": 39}
